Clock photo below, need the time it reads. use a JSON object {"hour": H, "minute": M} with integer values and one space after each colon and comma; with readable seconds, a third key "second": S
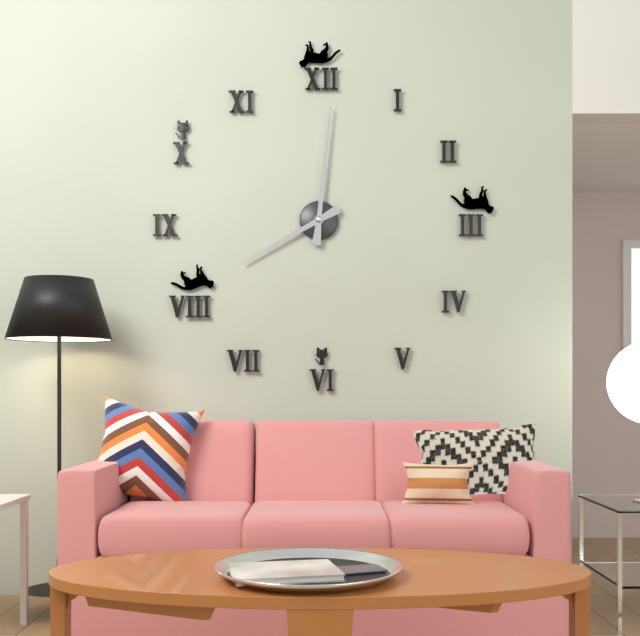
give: {"hour": 8, "minute": 1}
